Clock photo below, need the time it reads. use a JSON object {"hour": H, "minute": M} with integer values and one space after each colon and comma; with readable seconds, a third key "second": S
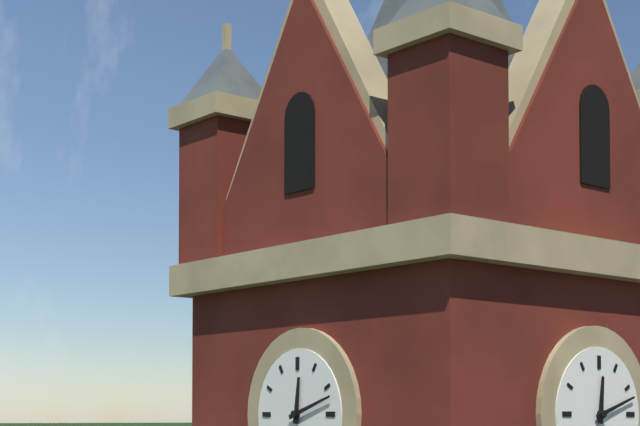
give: {"hour": 12, "minute": 12}
